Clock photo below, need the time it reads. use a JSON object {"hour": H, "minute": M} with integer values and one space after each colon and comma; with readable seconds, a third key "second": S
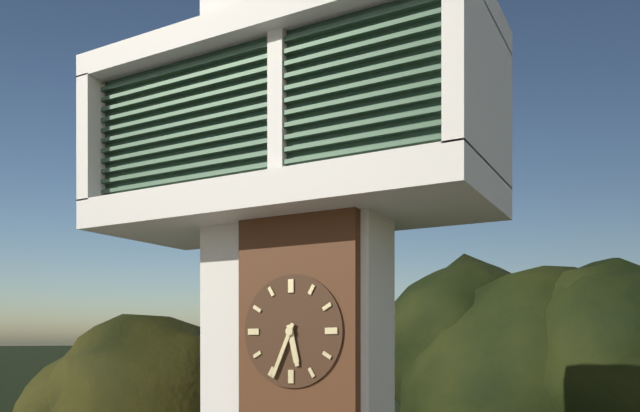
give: {"hour": 5, "minute": 34}
